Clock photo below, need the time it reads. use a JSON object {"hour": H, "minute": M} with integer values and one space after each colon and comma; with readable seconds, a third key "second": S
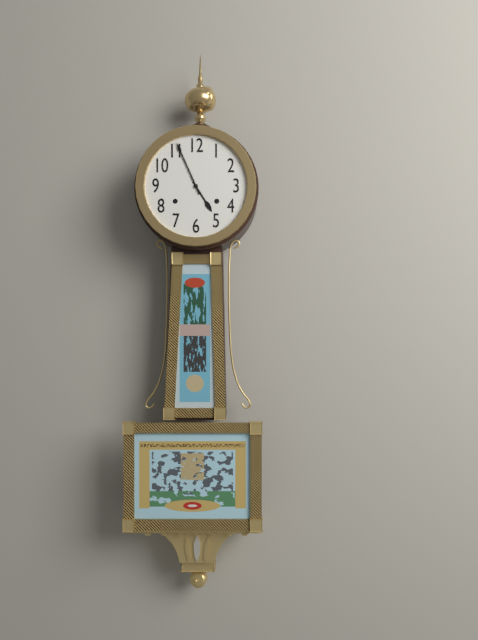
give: {"hour": 4, "minute": 56}
